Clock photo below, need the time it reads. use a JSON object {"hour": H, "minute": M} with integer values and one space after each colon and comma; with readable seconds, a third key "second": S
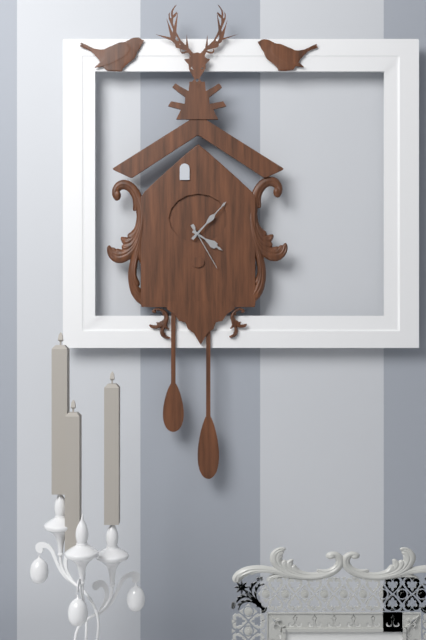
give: {"hour": 4, "minute": 7, "second": 25}
